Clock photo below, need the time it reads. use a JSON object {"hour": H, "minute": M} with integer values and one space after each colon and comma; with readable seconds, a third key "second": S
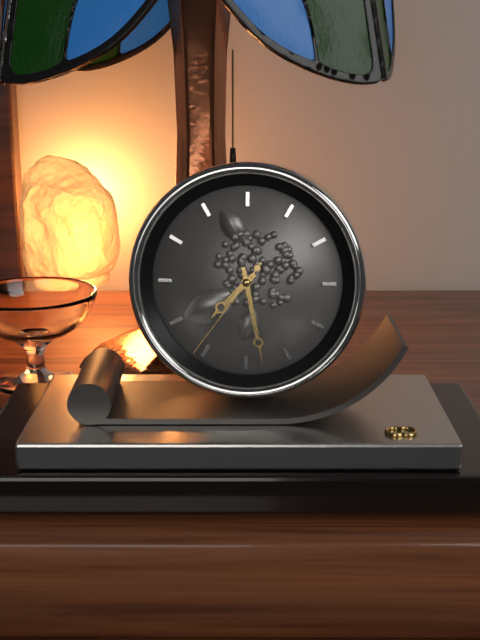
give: {"hour": 7, "minute": 28, "second": 36}
